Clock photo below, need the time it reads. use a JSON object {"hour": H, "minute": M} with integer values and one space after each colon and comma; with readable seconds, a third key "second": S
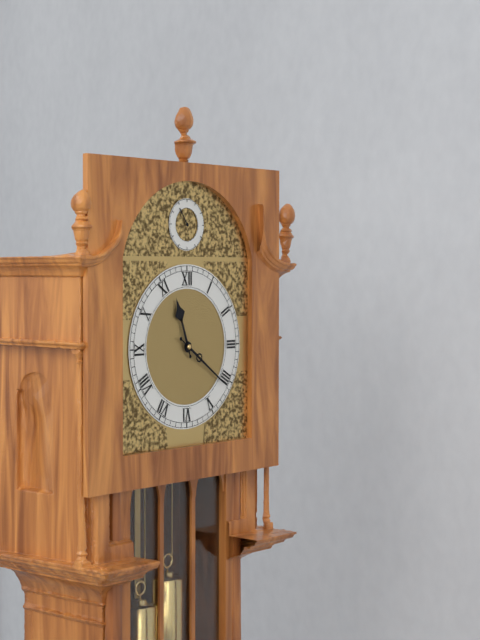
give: {"hour": 11, "minute": 21}
